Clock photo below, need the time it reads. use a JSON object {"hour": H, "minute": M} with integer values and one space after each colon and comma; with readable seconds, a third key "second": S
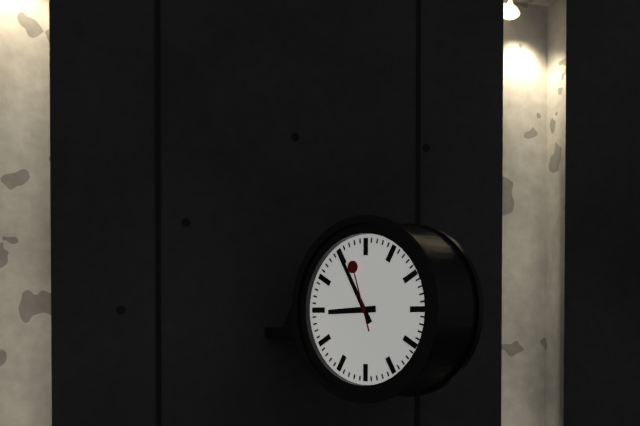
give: {"hour": 8, "minute": 55, "second": 57}
